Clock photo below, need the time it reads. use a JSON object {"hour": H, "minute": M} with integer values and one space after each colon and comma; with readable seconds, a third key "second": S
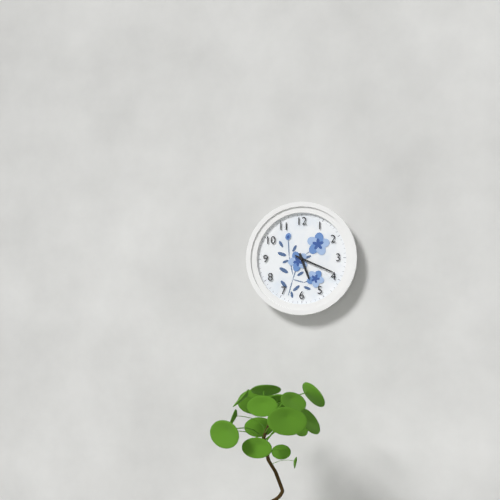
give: {"hour": 5, "minute": 19}
